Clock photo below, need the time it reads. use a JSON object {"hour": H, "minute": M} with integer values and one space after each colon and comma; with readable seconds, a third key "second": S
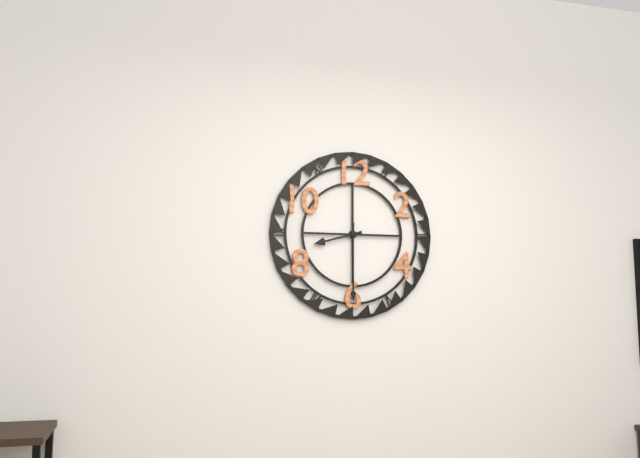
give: {"hour": 8, "minute": 30}
